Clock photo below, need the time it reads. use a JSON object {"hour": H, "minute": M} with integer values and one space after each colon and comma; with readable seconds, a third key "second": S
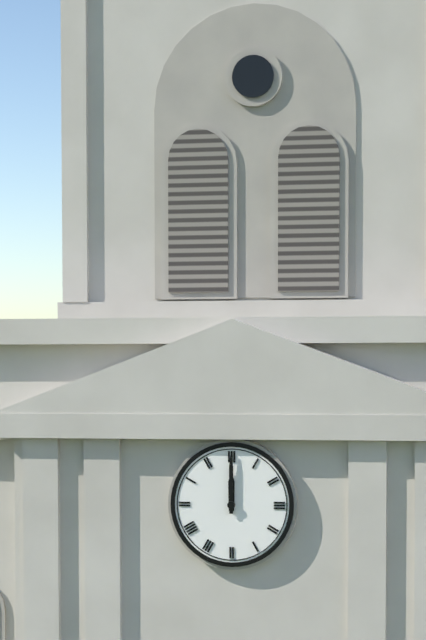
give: {"hour": 12, "minute": 0}
